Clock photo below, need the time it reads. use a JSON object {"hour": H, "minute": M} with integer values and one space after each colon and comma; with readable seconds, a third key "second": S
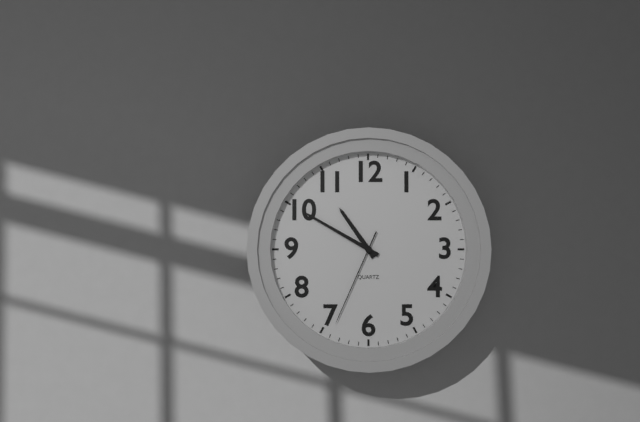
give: {"hour": 10, "minute": 50, "second": 34}
